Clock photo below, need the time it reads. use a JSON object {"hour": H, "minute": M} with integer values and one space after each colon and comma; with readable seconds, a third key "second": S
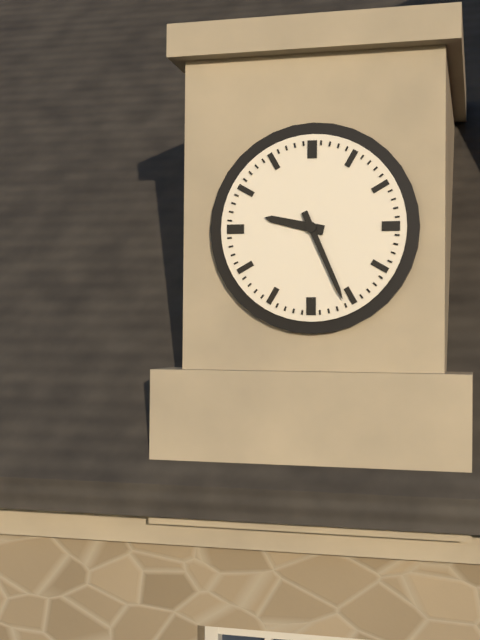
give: {"hour": 9, "minute": 26}
